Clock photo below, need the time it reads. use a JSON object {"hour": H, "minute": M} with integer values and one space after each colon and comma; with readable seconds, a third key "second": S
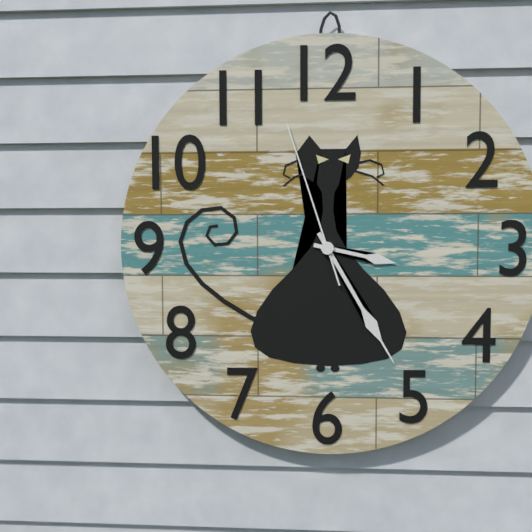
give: {"hour": 3, "minute": 25, "second": 57}
